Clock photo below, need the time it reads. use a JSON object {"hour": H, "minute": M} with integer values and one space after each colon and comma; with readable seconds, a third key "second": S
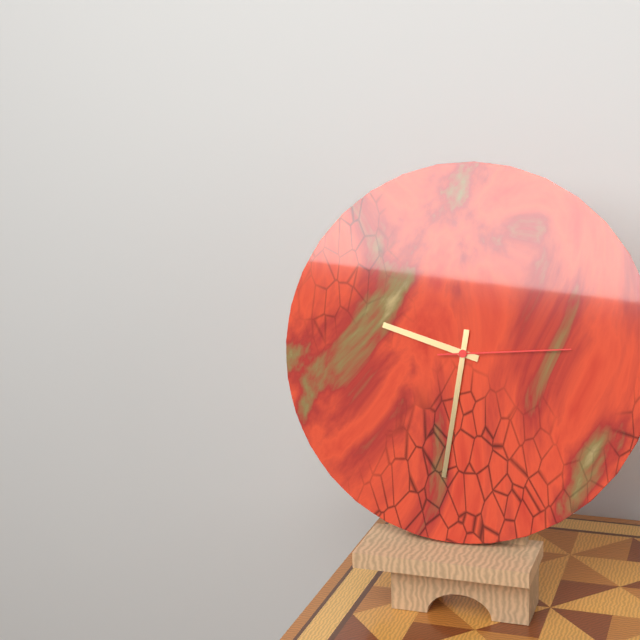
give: {"hour": 9, "minute": 31, "second": 14}
